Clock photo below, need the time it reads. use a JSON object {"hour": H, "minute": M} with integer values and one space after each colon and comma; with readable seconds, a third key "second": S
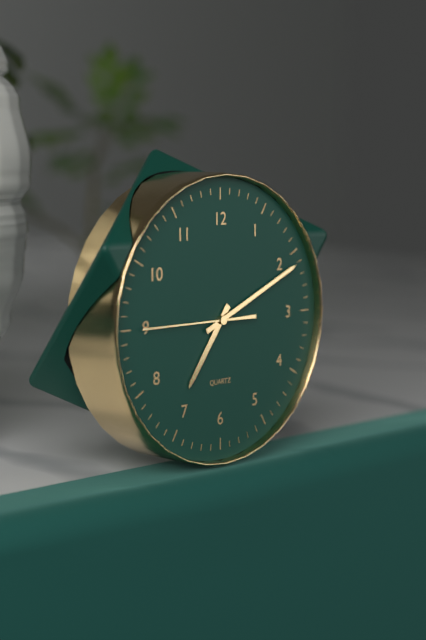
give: {"hour": 7, "minute": 11, "second": 45}
